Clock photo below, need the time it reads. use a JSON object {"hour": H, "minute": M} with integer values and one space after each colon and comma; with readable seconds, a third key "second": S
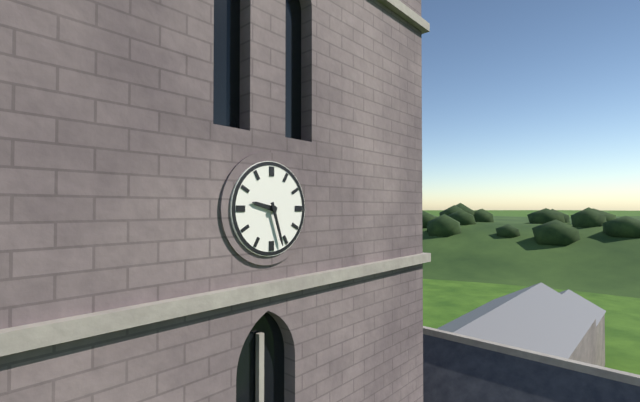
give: {"hour": 9, "minute": 27}
